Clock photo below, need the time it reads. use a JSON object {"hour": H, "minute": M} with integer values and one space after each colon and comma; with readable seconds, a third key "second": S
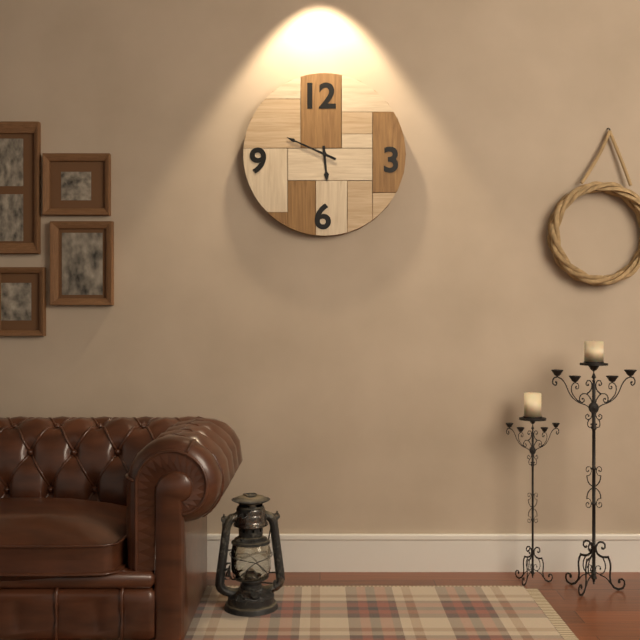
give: {"hour": 5, "minute": 49}
